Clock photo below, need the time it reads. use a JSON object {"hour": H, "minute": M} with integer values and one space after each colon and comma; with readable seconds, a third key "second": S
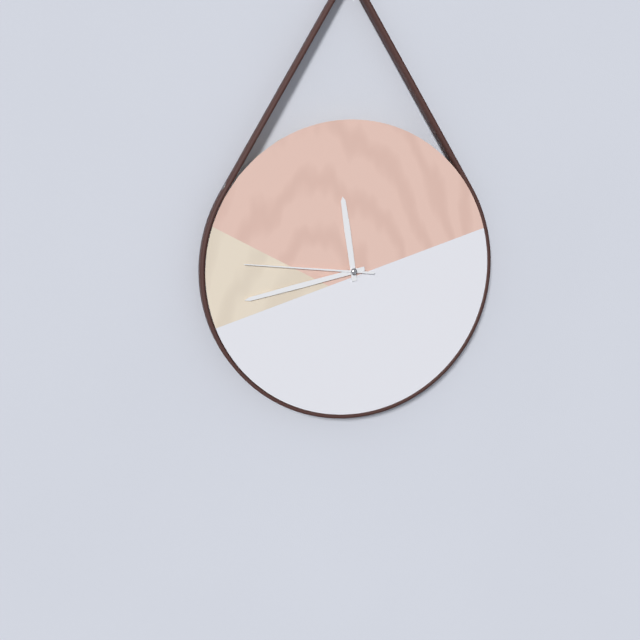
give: {"hour": 11, "minute": 43, "second": 46}
